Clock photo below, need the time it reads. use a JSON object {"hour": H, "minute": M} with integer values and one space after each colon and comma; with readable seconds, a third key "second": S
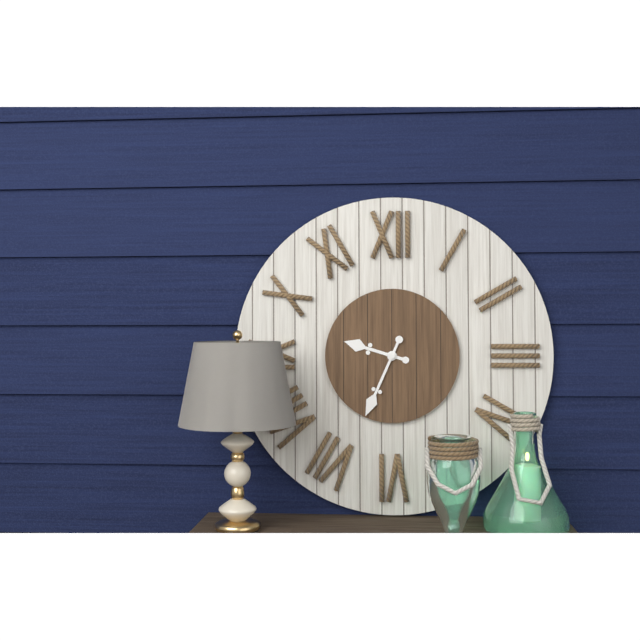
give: {"hour": 9, "minute": 34}
